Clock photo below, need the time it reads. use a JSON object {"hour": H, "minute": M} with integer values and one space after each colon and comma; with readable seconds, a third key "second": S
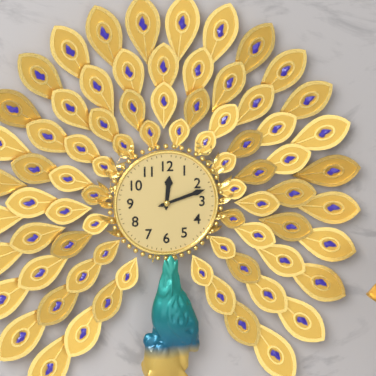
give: {"hour": 12, "minute": 12}
